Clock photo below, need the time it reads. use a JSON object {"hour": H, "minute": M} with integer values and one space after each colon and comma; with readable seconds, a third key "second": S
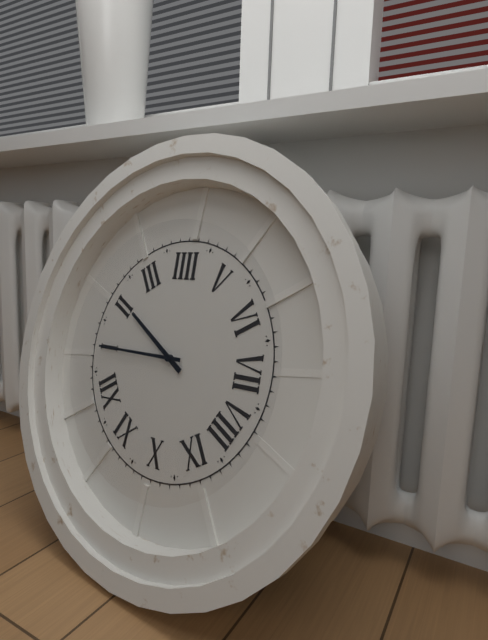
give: {"hour": 2, "minute": 5}
